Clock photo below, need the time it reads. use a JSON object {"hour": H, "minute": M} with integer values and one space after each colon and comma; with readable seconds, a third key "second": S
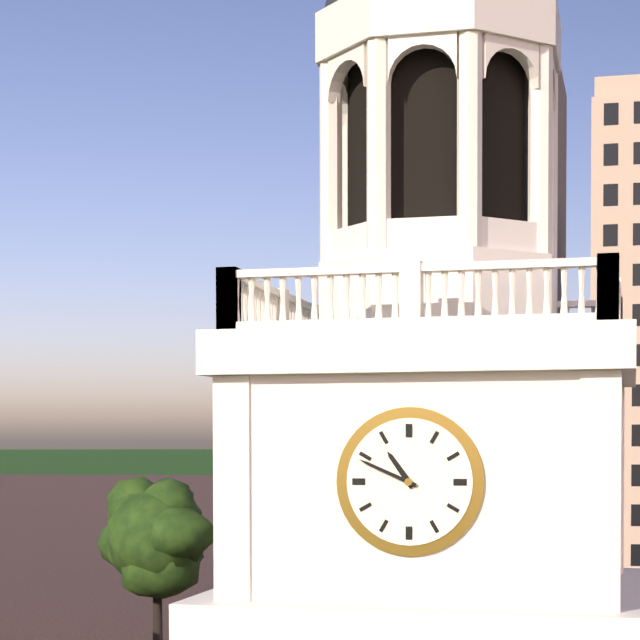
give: {"hour": 10, "minute": 49}
